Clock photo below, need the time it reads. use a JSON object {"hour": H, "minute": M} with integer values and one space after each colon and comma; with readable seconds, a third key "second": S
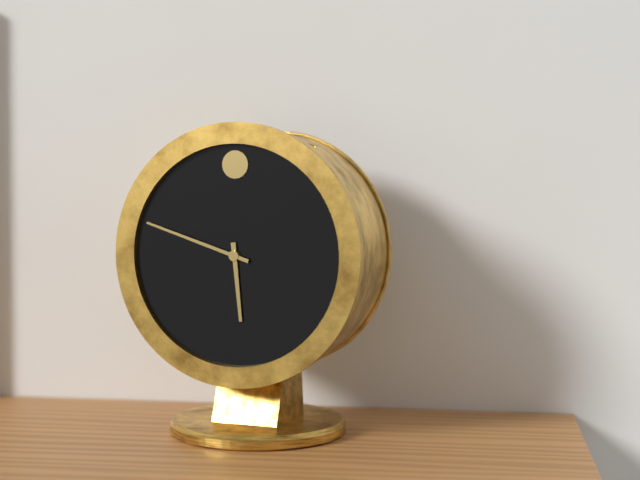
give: {"hour": 5, "minute": 48}
